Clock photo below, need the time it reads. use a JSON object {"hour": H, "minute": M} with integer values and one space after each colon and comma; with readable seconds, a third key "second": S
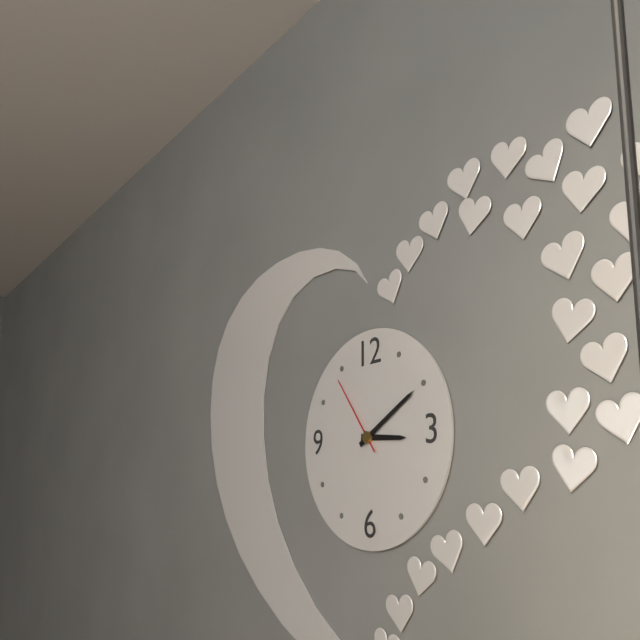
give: {"hour": 3, "minute": 10, "second": 54}
